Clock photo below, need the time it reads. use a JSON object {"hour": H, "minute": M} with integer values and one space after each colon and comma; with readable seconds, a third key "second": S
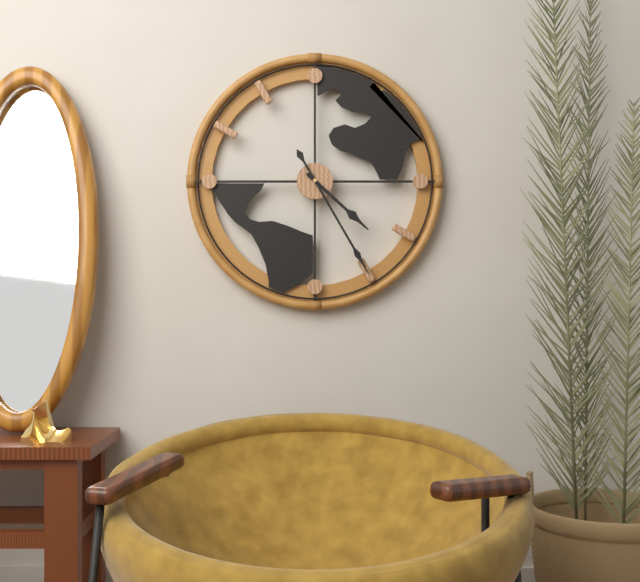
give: {"hour": 4, "minute": 25}
